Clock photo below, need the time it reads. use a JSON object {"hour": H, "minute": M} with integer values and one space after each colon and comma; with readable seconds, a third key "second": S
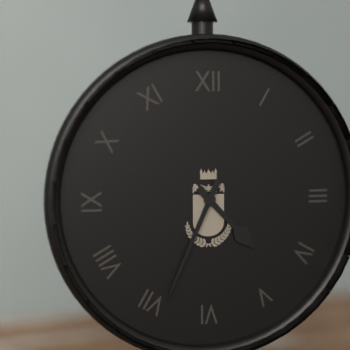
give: {"hour": 4, "minute": 34}
